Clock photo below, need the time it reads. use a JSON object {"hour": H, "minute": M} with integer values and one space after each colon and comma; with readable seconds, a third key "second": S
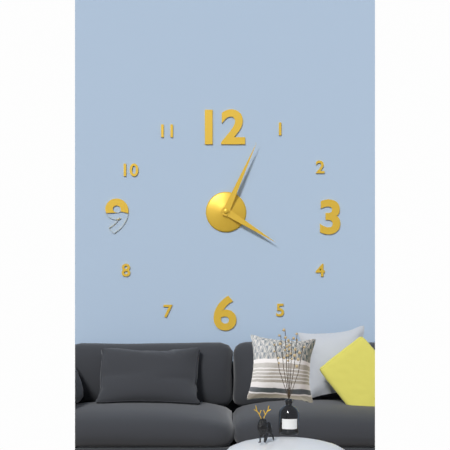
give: {"hour": 4, "minute": 4}
